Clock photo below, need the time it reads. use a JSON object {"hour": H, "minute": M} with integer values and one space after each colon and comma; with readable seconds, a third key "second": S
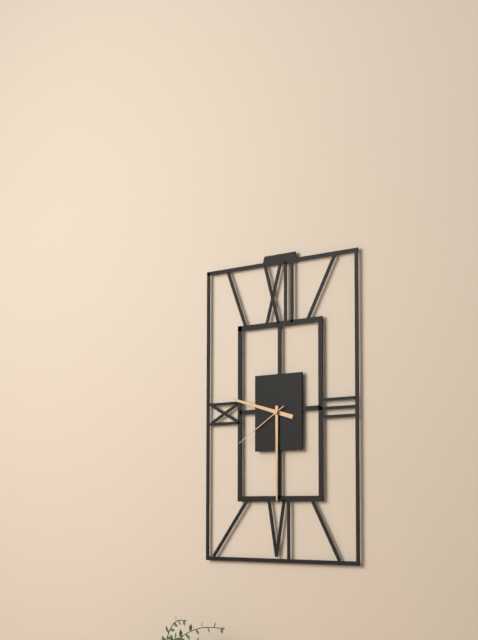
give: {"hour": 9, "minute": 30, "second": 40}
